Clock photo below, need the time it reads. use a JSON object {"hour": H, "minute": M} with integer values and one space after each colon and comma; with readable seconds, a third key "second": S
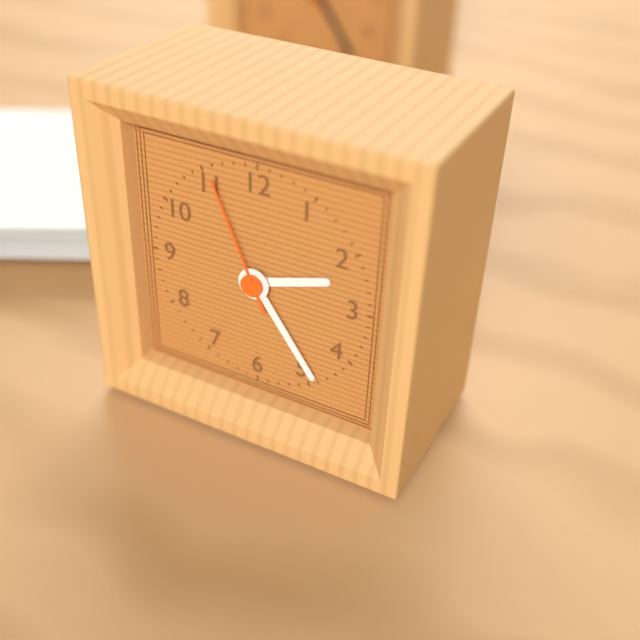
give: {"hour": 2, "minute": 24, "second": 56}
